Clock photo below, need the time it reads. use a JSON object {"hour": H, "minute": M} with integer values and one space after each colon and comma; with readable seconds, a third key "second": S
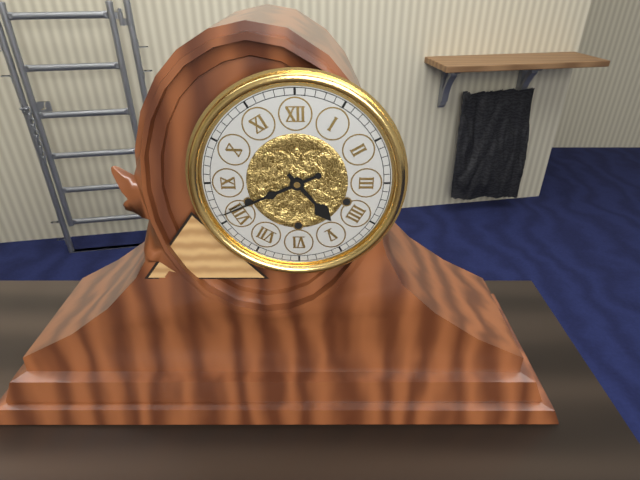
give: {"hour": 4, "minute": 41}
